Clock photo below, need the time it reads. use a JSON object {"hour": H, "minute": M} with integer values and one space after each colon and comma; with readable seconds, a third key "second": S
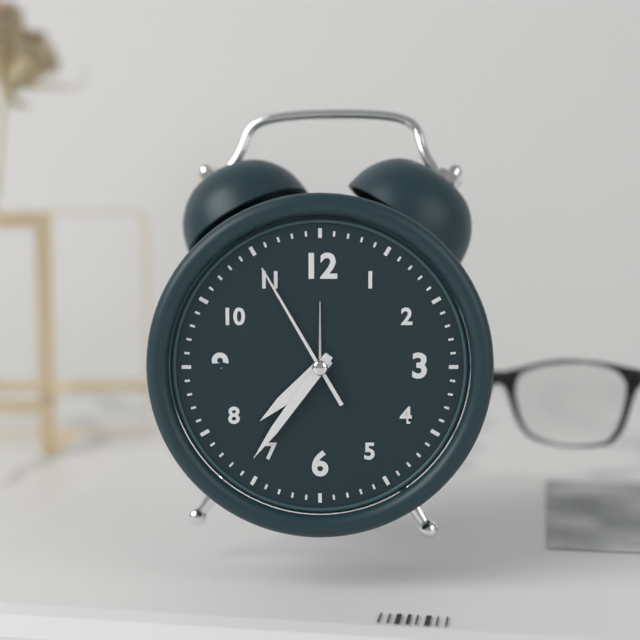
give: {"hour": 7, "minute": 36, "second": 55}
